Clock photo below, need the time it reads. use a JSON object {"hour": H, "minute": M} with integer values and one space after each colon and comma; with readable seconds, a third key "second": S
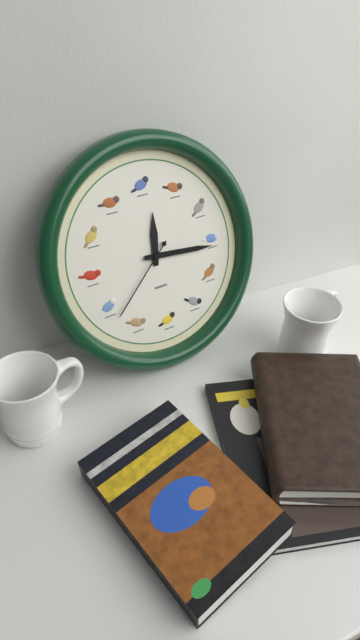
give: {"hour": 12, "minute": 16, "second": 38}
